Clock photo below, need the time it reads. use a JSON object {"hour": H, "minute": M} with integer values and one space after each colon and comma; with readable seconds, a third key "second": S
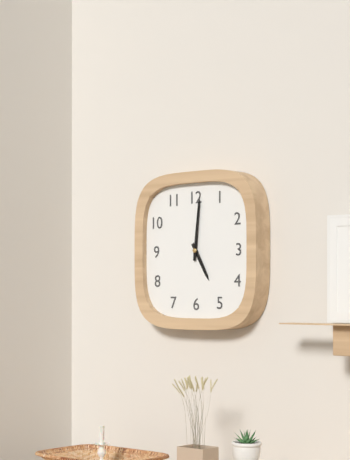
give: {"hour": 5, "minute": 1}
